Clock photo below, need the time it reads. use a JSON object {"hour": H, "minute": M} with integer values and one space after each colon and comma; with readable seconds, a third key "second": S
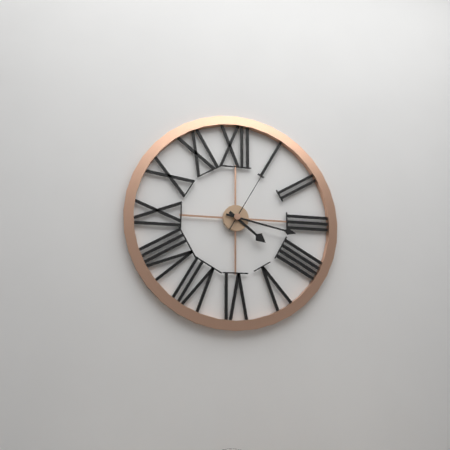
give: {"hour": 4, "minute": 17, "second": 5}
